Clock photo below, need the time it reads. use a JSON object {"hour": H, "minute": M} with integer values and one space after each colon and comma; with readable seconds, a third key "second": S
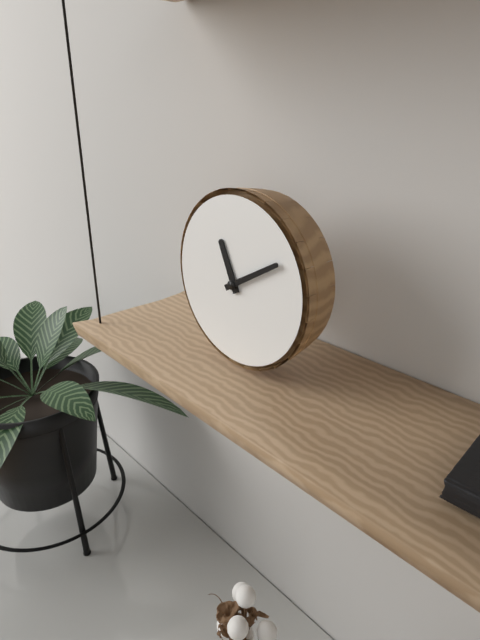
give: {"hour": 11, "minute": 10}
